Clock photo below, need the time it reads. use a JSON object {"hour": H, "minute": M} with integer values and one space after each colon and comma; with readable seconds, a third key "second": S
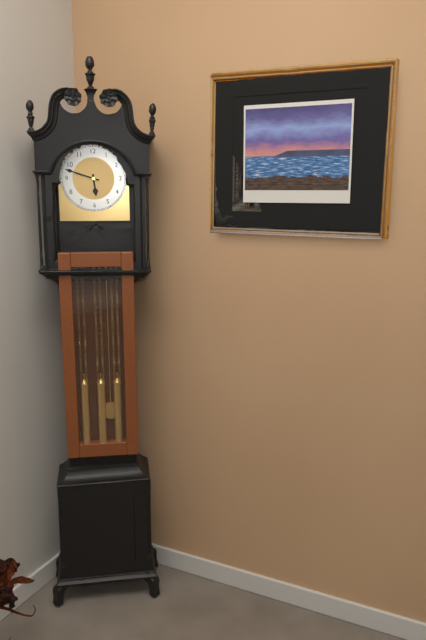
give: {"hour": 5, "minute": 48}
